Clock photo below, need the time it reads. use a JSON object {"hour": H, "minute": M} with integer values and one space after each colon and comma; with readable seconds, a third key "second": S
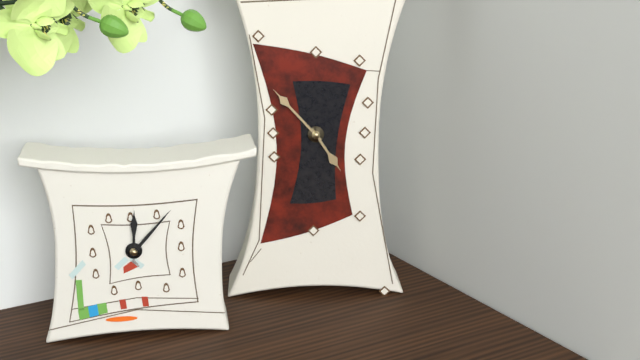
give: {"hour": 4, "minute": 53}
